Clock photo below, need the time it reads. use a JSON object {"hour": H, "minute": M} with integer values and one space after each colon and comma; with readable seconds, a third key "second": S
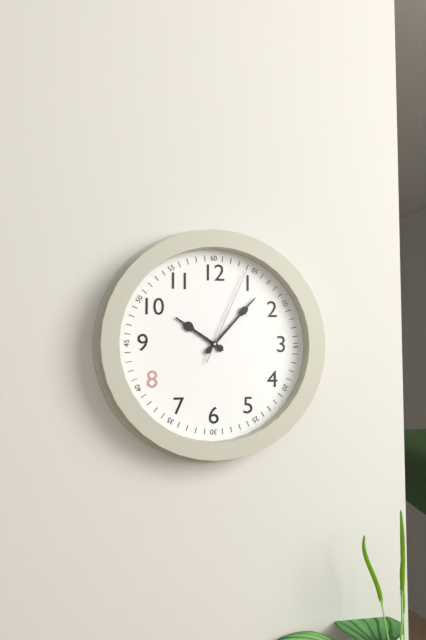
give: {"hour": 10, "minute": 7, "second": 4}
